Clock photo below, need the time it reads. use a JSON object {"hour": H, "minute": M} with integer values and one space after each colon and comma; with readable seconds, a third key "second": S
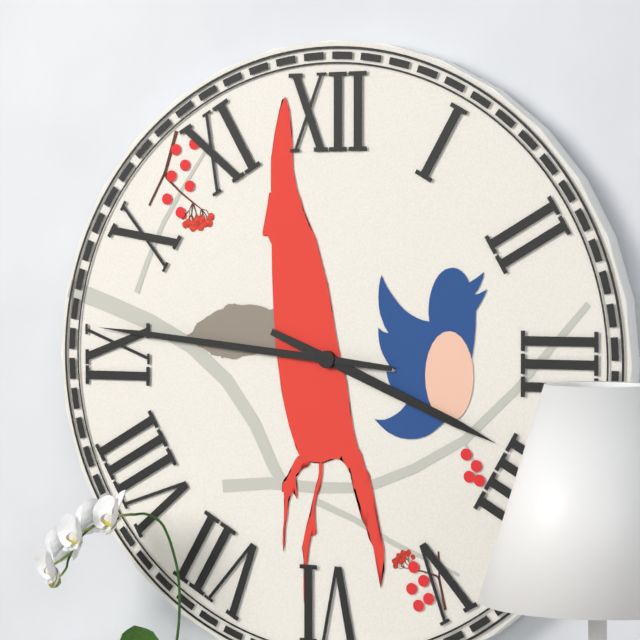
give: {"hour": 3, "minute": 46}
